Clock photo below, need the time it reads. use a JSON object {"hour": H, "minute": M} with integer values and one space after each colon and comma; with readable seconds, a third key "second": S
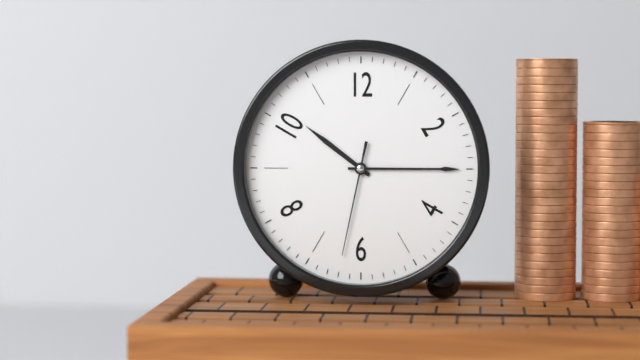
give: {"hour": 10, "minute": 15, "second": 32}
